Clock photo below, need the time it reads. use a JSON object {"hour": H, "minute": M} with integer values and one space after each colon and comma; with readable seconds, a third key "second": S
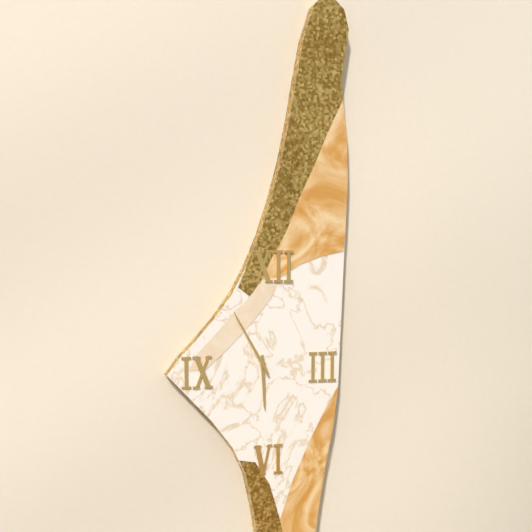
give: {"hour": 5, "minute": 55}
